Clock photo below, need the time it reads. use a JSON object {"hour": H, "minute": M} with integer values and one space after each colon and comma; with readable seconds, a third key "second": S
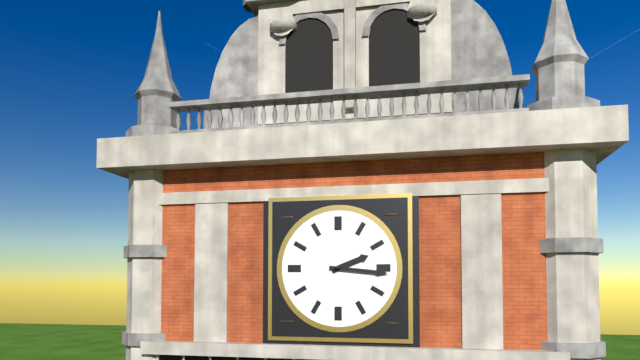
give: {"hour": 2, "minute": 16}
